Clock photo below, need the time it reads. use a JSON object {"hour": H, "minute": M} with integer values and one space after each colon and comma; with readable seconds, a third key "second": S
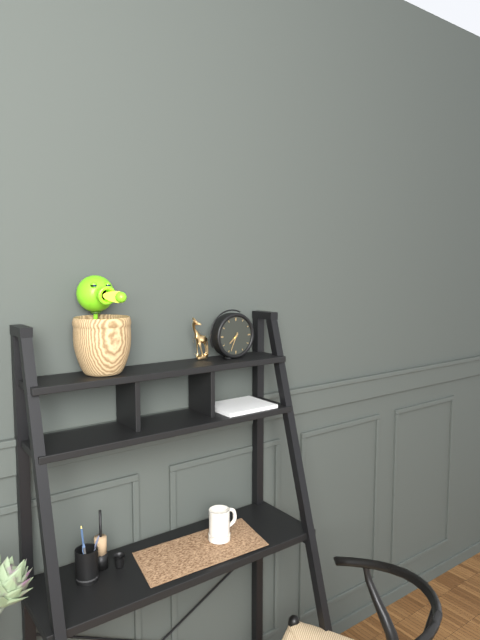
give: {"hour": 7, "minute": 34}
